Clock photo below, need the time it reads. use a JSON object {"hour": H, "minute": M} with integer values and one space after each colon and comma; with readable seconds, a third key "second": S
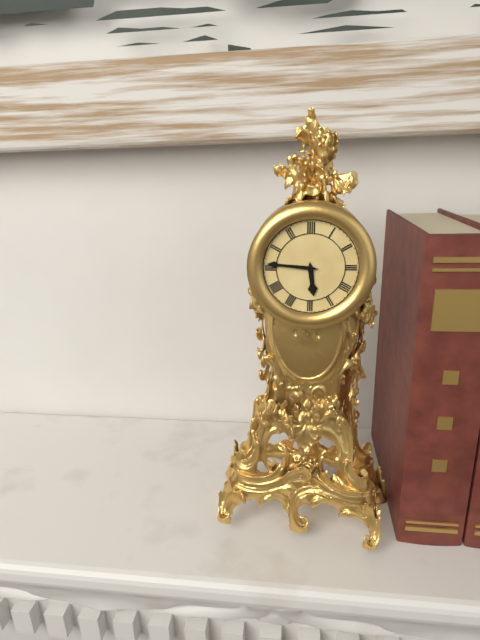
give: {"hour": 5, "minute": 46}
